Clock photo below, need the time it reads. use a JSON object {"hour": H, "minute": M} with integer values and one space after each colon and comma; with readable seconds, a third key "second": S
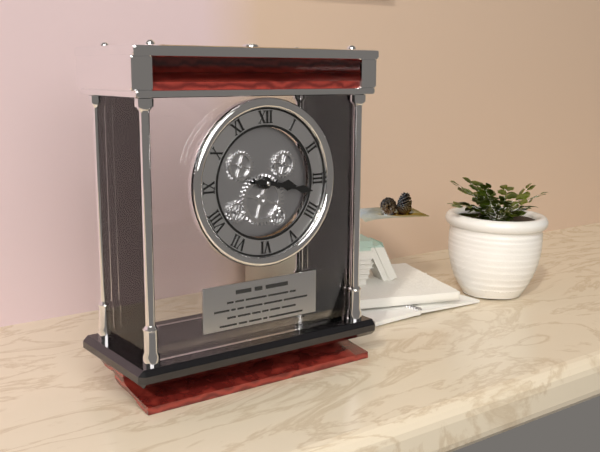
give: {"hour": 3, "minute": 17}
